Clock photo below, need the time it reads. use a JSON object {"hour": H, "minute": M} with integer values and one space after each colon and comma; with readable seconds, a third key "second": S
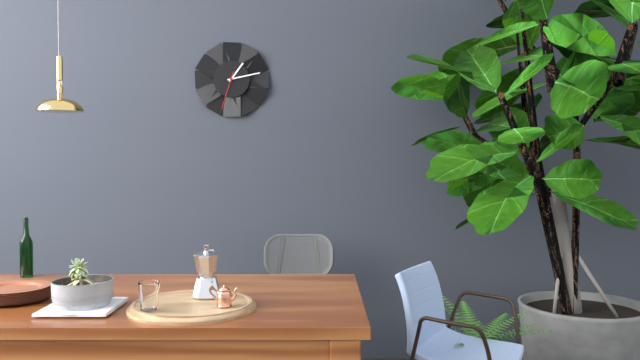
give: {"hour": 1, "minute": 13}
